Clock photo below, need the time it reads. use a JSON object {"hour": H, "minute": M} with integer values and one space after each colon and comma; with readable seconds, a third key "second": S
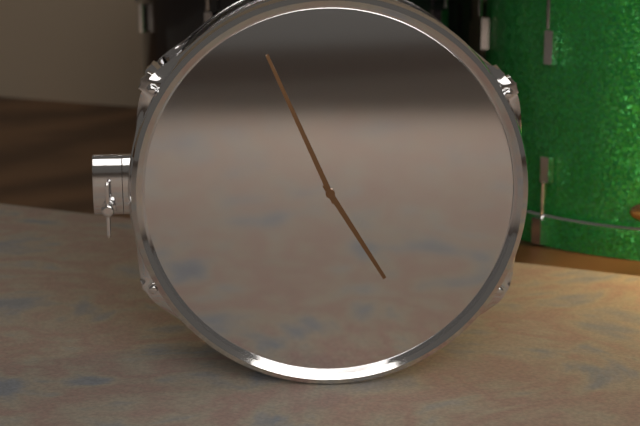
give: {"hour": 4, "minute": 56}
